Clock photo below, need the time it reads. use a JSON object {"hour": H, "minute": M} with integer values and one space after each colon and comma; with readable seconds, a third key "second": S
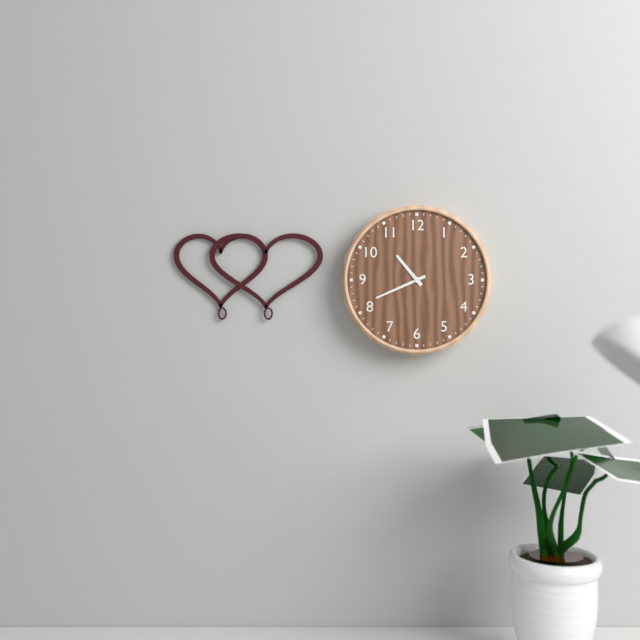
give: {"hour": 10, "minute": 41}
